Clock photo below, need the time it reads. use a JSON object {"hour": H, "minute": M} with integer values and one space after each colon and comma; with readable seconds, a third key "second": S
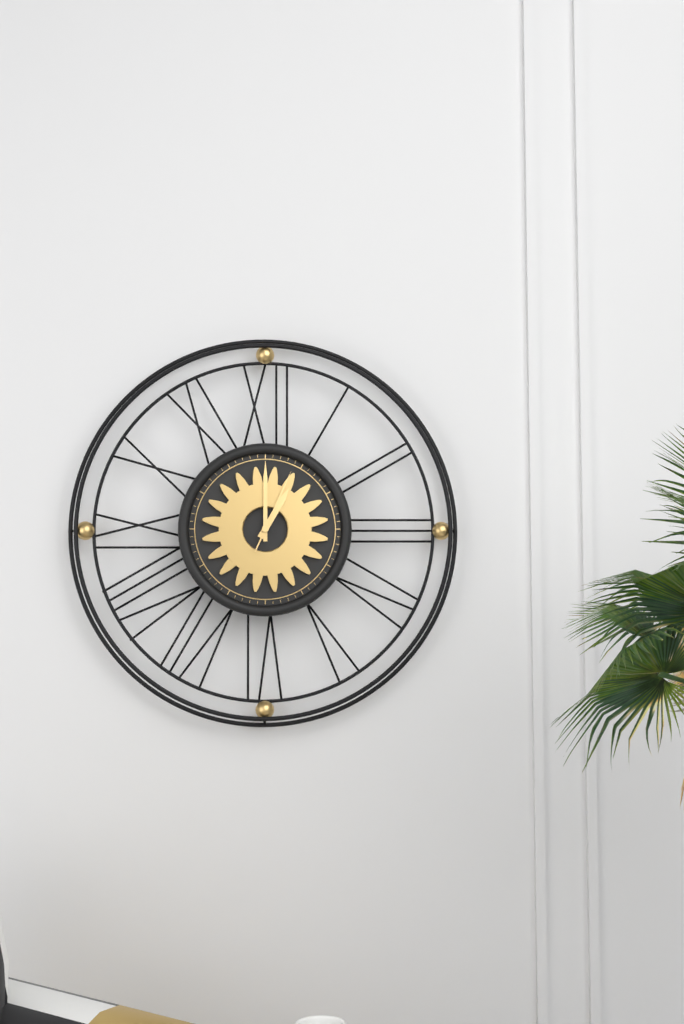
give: {"hour": 1, "minute": 0, "second": 4}
